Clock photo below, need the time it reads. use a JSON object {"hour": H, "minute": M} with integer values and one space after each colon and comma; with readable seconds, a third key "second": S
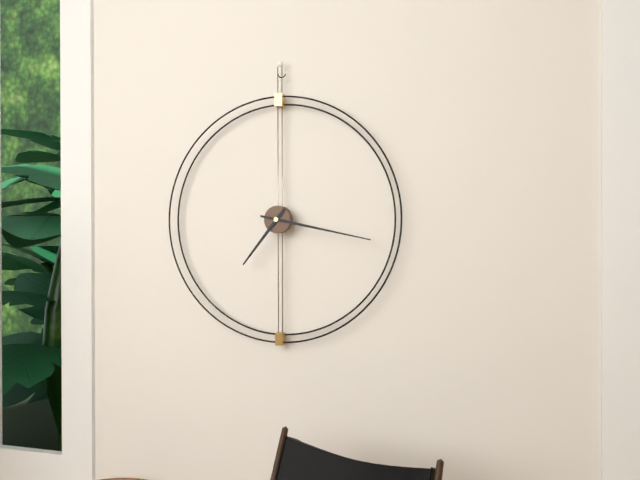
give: {"hour": 7, "minute": 17}
